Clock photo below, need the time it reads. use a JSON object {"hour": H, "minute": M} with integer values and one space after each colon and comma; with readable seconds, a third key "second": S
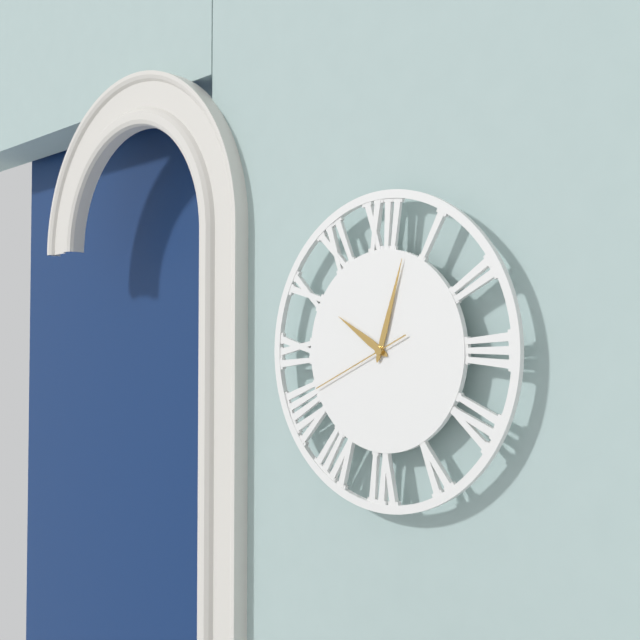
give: {"hour": 10, "minute": 3, "second": 41}
